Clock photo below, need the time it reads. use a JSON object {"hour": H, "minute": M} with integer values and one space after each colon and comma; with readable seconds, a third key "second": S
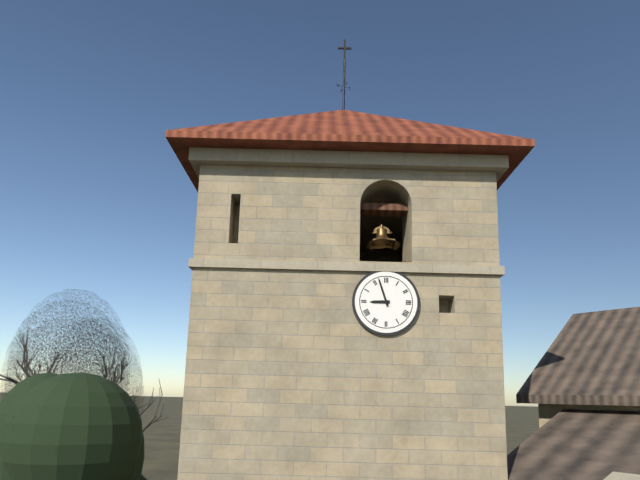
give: {"hour": 8, "minute": 57}
